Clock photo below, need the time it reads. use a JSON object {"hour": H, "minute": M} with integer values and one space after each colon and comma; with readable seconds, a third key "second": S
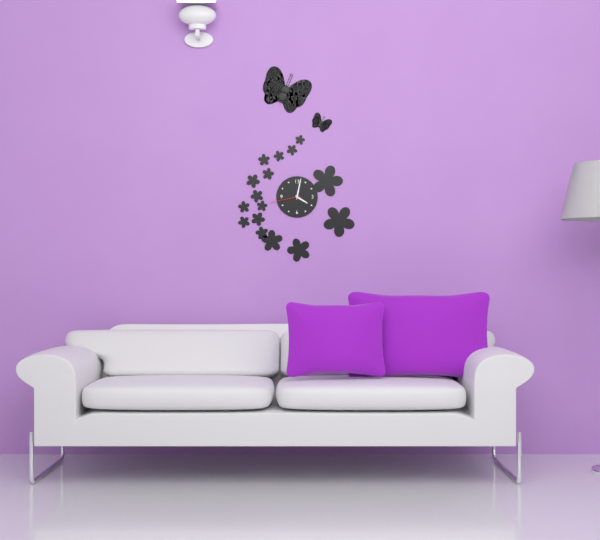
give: {"hour": 4, "minute": 2}
